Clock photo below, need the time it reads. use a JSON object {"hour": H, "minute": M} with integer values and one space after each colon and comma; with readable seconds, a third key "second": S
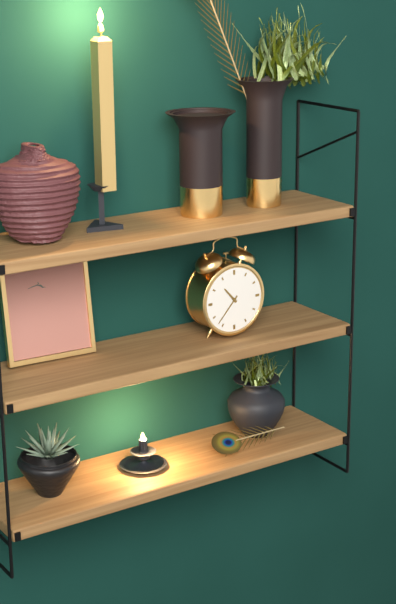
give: {"hour": 10, "minute": 37}
